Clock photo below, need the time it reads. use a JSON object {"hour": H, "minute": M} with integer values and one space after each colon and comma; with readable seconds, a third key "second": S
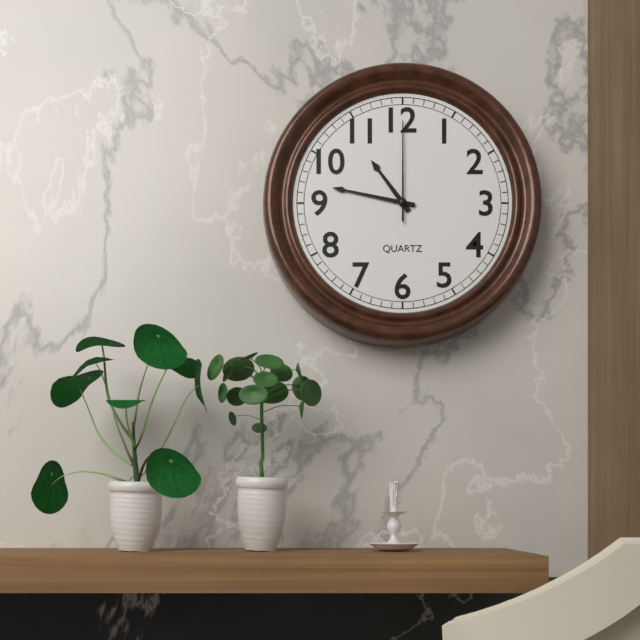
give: {"hour": 10, "minute": 47, "second": 0}
